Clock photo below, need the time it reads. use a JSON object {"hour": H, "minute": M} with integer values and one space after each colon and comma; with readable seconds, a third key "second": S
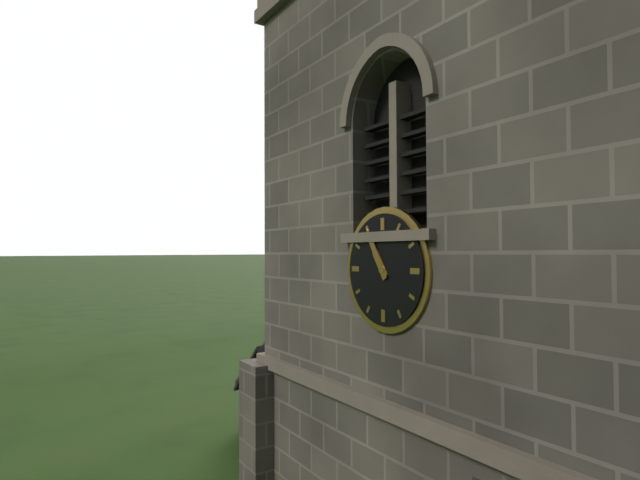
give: {"hour": 10, "minute": 55}
